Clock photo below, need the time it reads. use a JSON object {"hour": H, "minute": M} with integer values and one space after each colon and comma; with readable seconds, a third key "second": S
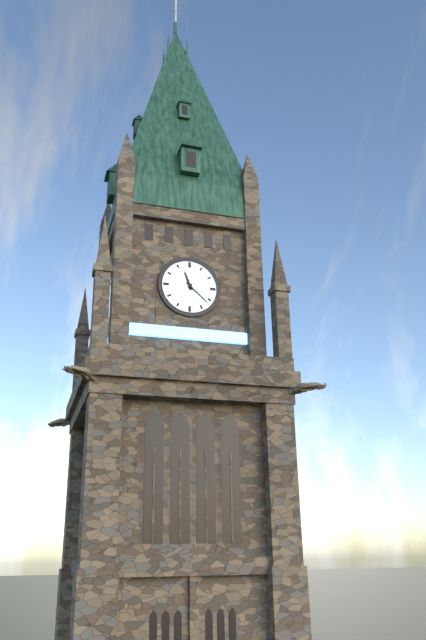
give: {"hour": 11, "minute": 22}
